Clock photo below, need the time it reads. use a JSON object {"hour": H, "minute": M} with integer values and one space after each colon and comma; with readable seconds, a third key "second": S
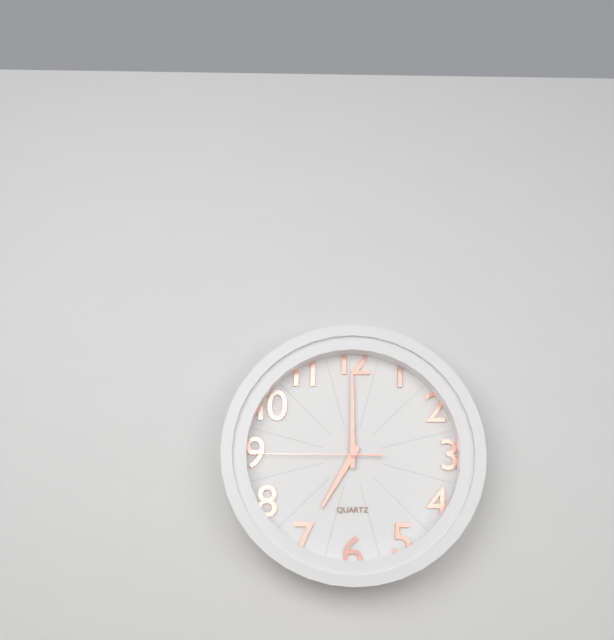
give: {"hour": 7, "minute": 0, "second": 45}
